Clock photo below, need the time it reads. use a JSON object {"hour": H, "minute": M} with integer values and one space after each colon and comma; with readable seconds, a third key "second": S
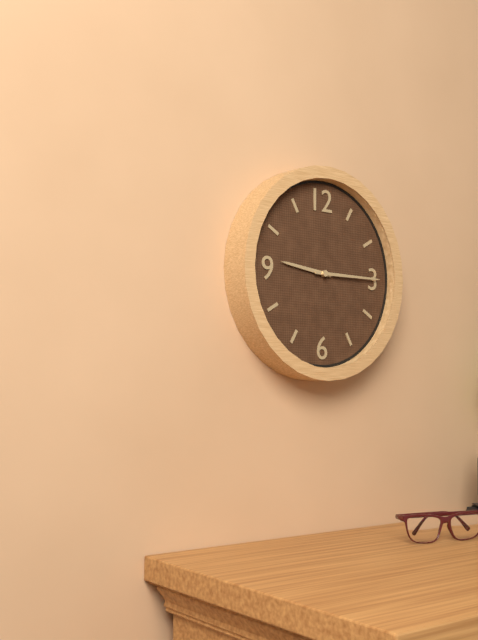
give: {"hour": 9, "minute": 15}
